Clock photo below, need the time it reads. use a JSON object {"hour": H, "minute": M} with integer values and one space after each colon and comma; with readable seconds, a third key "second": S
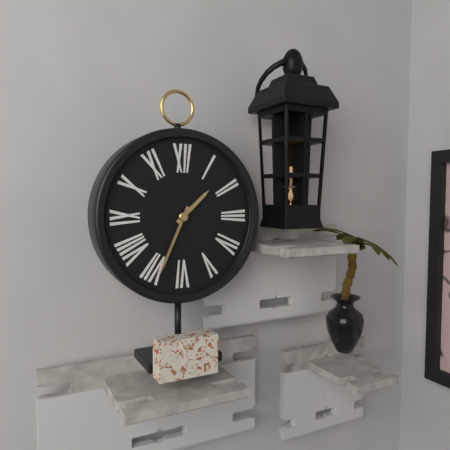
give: {"hour": 1, "minute": 34}
